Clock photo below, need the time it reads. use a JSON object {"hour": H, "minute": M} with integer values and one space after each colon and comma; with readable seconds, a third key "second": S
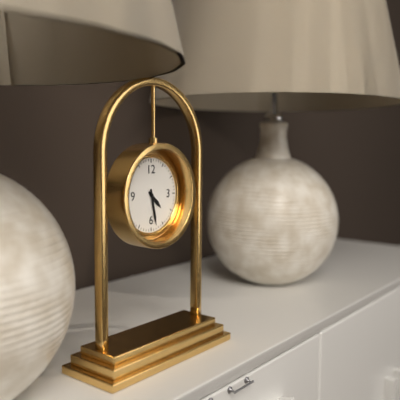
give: {"hour": 4, "minute": 28}
